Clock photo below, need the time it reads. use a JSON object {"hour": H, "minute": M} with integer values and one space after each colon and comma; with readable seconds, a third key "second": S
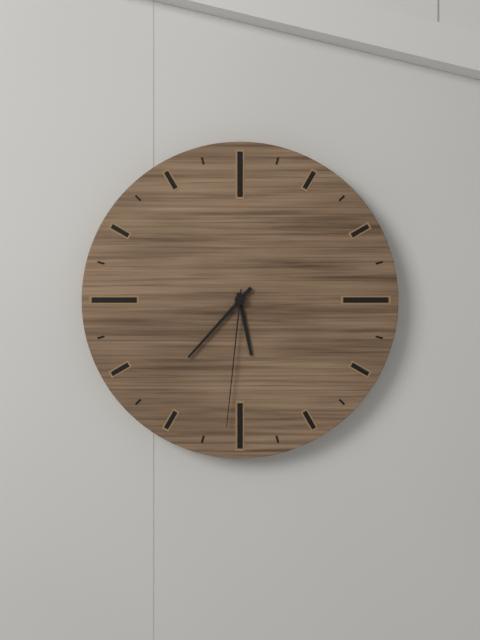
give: {"hour": 5, "minute": 37, "second": 31}
